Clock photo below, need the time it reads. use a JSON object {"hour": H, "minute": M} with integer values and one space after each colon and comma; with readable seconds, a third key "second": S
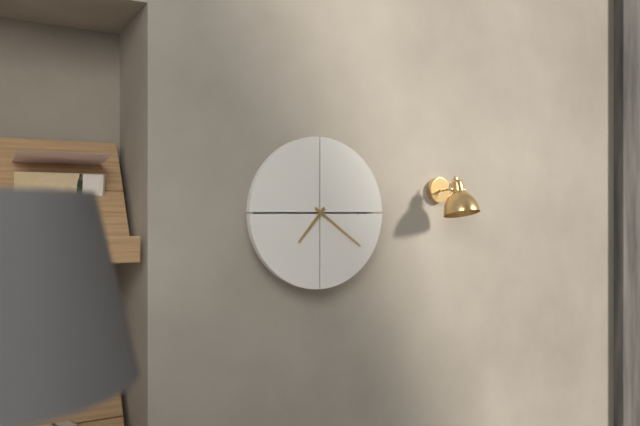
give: {"hour": 7, "minute": 21}
